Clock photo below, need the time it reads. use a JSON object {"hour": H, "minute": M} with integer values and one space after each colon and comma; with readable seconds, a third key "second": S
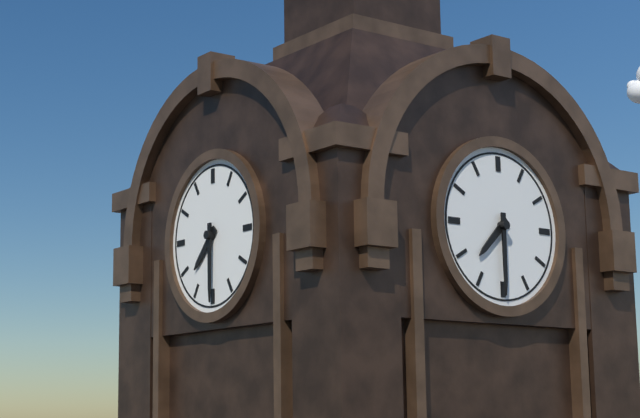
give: {"hour": 7, "minute": 30}
